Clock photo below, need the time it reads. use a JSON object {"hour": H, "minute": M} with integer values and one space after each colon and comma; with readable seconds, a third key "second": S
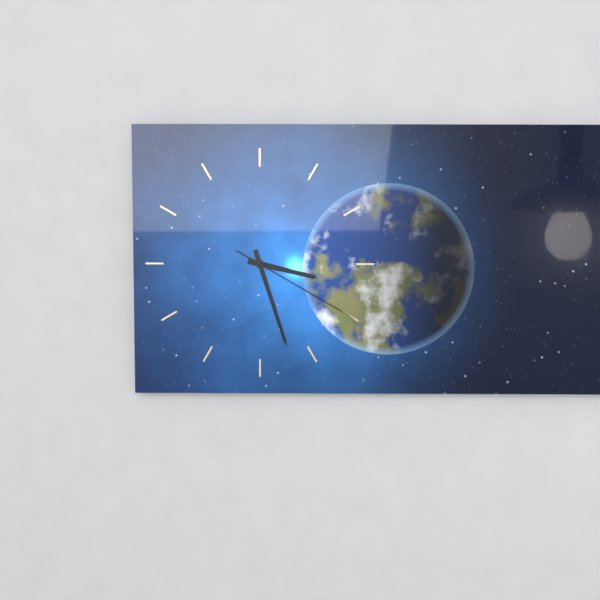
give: {"hour": 3, "minute": 27, "second": 20}
